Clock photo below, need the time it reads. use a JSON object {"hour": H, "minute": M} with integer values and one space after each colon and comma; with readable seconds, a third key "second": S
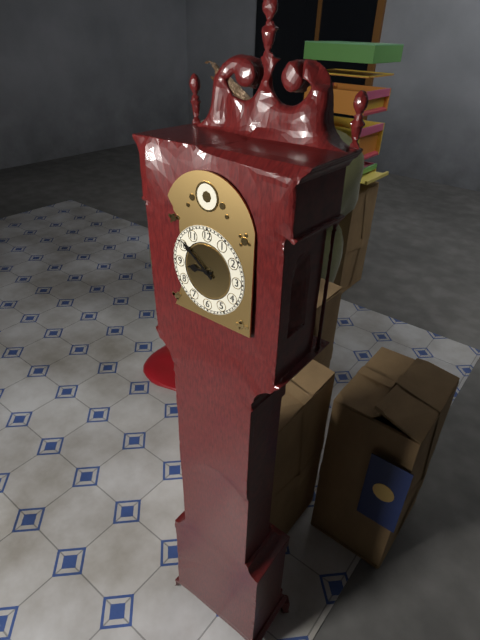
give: {"hour": 8, "minute": 51}
